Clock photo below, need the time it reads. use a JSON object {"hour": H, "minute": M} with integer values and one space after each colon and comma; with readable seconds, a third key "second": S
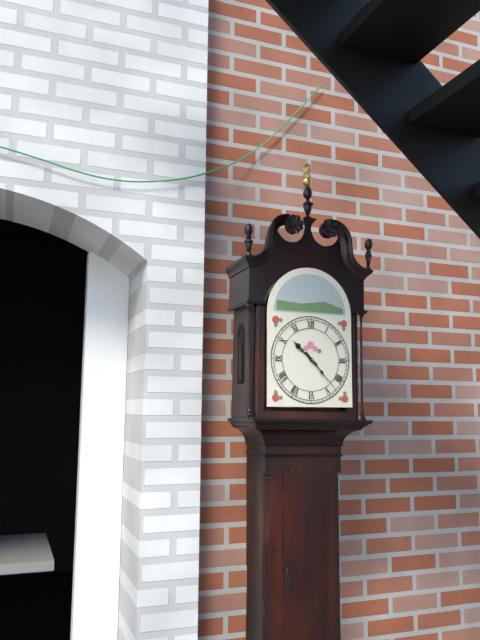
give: {"hour": 10, "minute": 23}
